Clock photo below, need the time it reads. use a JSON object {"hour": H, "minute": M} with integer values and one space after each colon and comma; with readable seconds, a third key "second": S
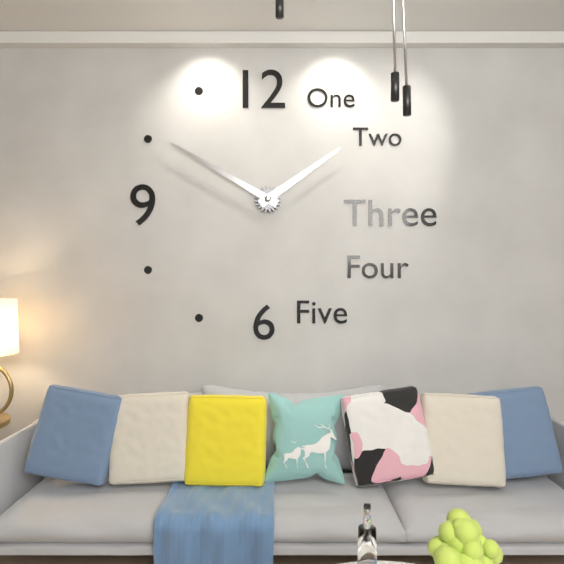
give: {"hour": 1, "minute": 50}
